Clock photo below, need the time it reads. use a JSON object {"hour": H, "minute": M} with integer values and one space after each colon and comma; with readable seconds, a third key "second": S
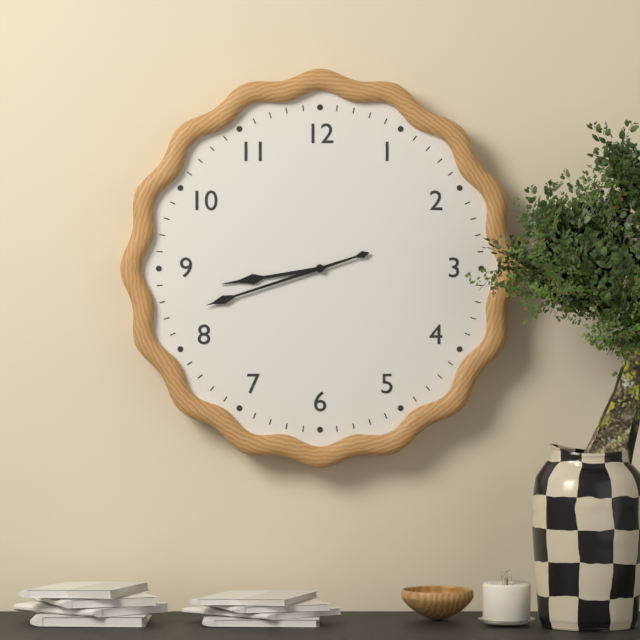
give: {"hour": 8, "minute": 42}
